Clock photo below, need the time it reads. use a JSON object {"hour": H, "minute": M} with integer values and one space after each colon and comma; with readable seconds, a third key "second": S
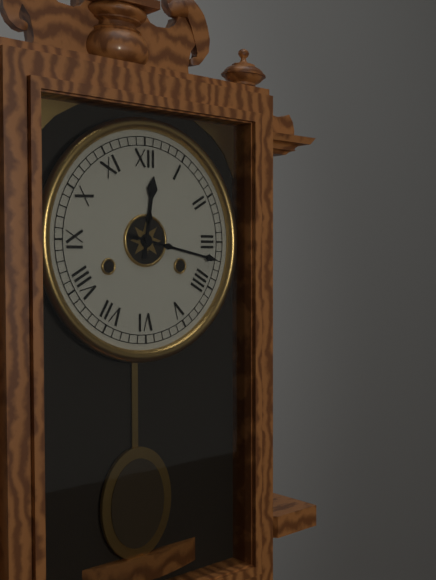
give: {"hour": 12, "minute": 17}
